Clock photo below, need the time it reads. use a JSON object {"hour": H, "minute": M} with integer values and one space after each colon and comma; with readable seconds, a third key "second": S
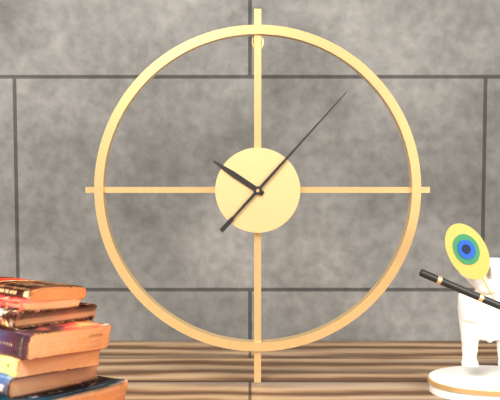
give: {"hour": 10, "minute": 7}
